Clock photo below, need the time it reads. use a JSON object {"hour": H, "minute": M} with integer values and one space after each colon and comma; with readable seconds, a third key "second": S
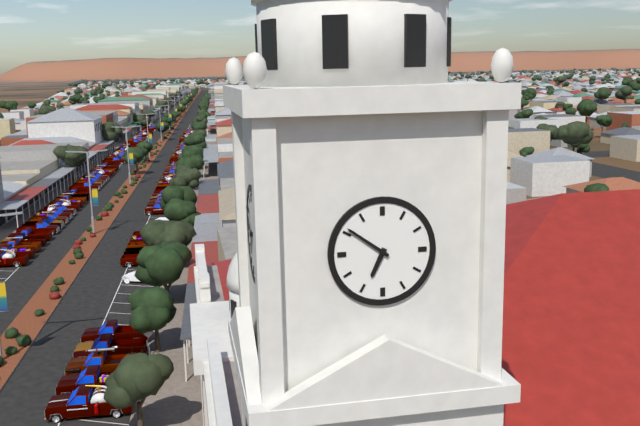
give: {"hour": 6, "minute": 51}
